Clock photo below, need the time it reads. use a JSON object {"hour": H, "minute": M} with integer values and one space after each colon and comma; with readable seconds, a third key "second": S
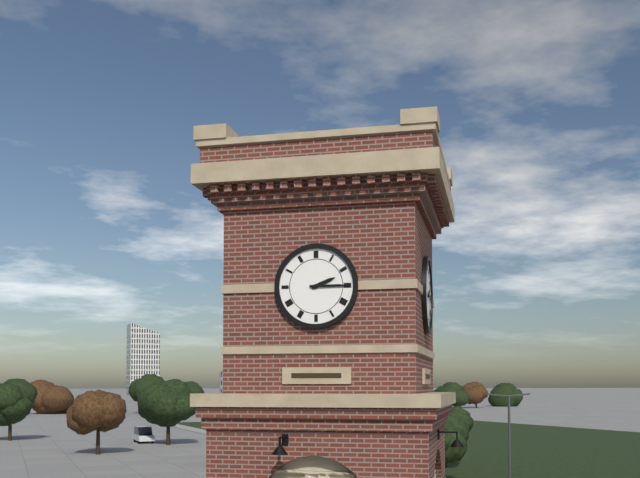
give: {"hour": 2, "minute": 15}
